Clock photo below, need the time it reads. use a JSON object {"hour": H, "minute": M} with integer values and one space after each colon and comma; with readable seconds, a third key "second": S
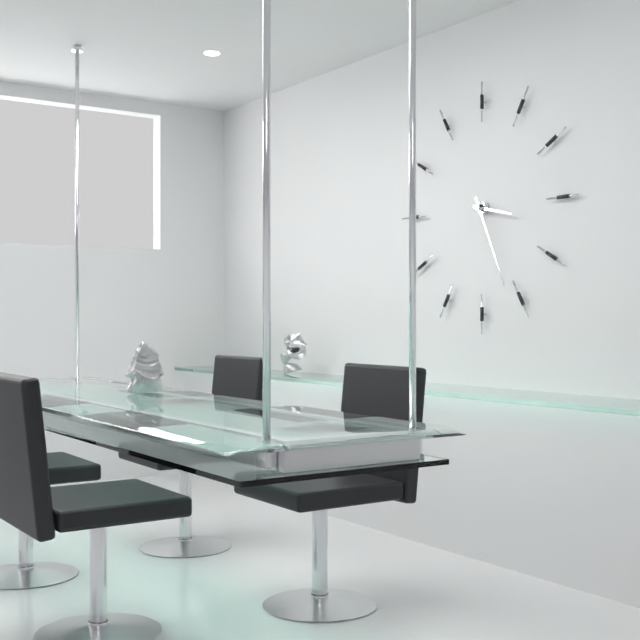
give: {"hour": 3, "minute": 26}
